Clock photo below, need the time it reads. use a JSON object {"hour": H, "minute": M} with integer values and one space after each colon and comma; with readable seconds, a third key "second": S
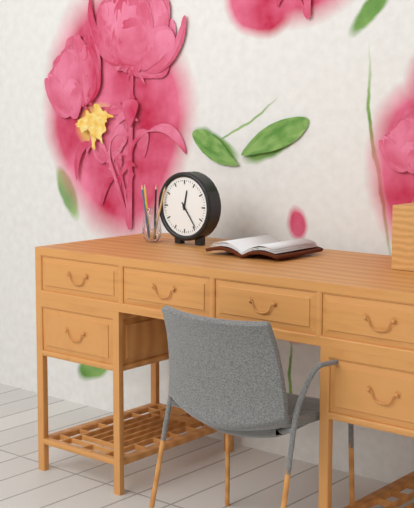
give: {"hour": 12, "minute": 24}
